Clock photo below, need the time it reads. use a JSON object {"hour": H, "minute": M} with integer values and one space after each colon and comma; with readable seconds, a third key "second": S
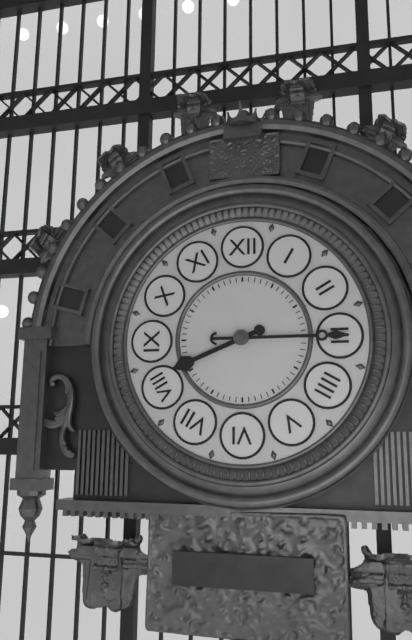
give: {"hour": 8, "minute": 15}
